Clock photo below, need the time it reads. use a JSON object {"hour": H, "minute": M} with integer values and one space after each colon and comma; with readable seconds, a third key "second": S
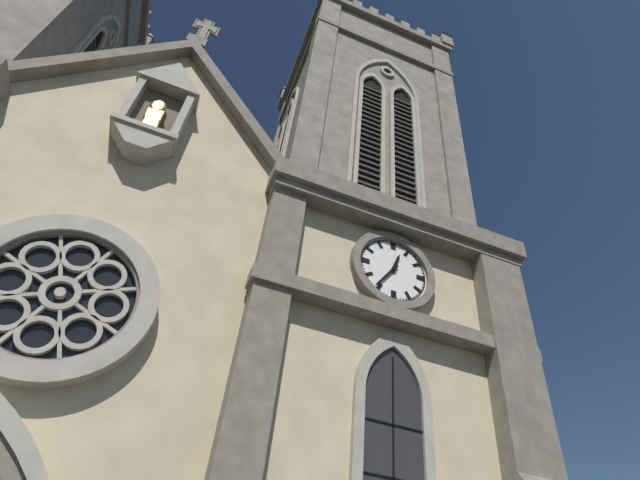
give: {"hour": 12, "minute": 36}
